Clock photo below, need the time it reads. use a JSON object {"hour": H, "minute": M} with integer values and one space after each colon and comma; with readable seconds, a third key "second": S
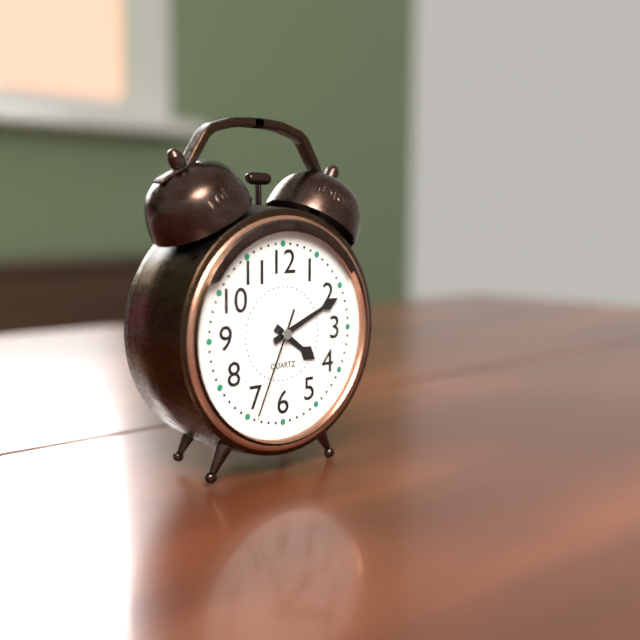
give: {"hour": 4, "minute": 11, "second": 34}
